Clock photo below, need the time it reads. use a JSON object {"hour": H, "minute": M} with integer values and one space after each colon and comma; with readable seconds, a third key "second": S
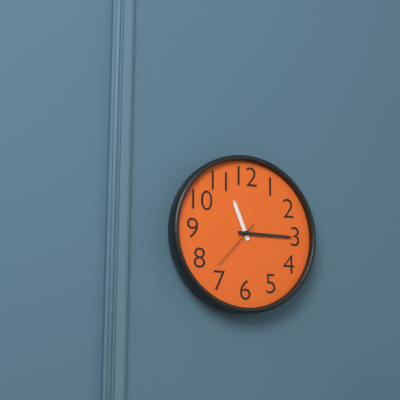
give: {"hour": 11, "minute": 15, "second": 37}
